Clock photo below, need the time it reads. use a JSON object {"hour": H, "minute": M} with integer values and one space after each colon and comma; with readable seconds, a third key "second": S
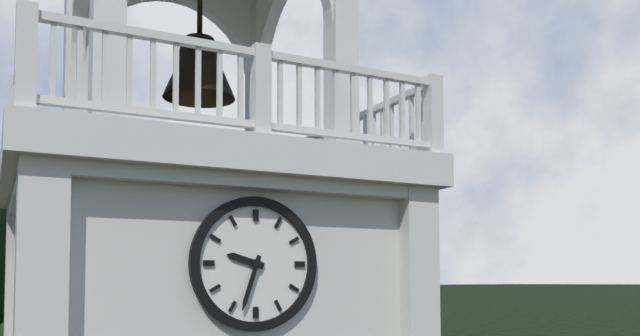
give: {"hour": 9, "minute": 33}
